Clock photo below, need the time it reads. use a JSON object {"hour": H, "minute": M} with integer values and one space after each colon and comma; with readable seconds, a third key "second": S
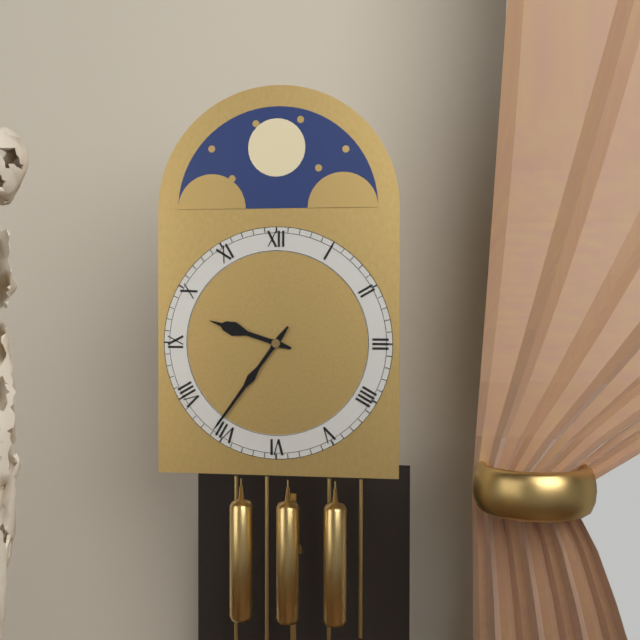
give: {"hour": 9, "minute": 36}
